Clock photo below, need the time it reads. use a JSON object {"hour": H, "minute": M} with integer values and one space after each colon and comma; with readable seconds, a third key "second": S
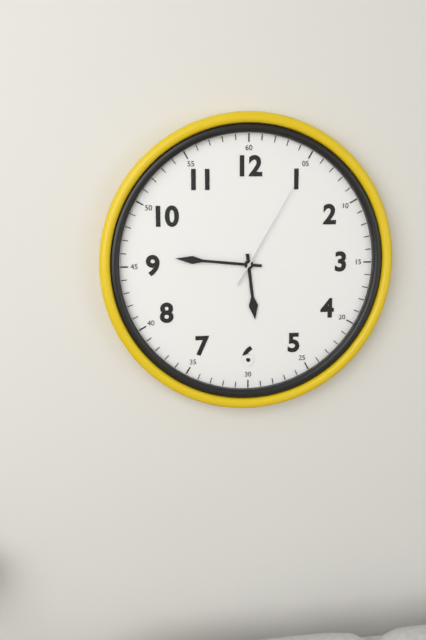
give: {"hour": 5, "minute": 46, "second": 5}
